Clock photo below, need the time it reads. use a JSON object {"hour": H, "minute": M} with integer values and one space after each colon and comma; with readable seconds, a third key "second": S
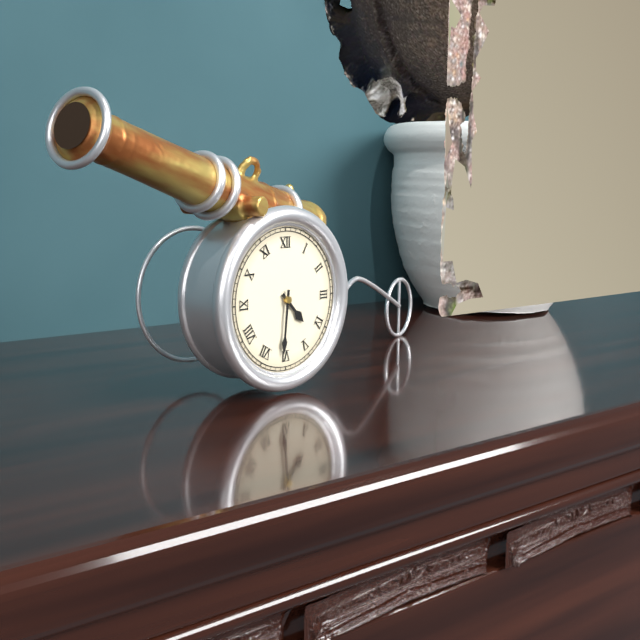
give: {"hour": 4, "minute": 31}
